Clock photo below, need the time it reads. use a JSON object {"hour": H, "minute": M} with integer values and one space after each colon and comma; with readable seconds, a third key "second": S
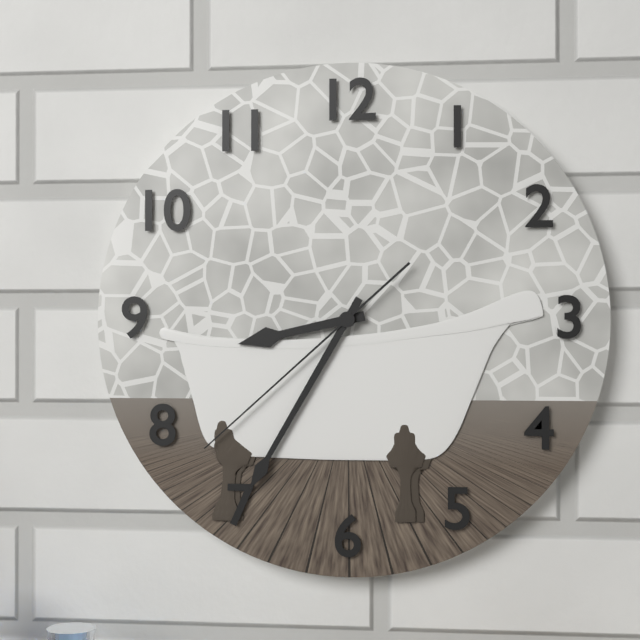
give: {"hour": 8, "minute": 35, "second": 38}
